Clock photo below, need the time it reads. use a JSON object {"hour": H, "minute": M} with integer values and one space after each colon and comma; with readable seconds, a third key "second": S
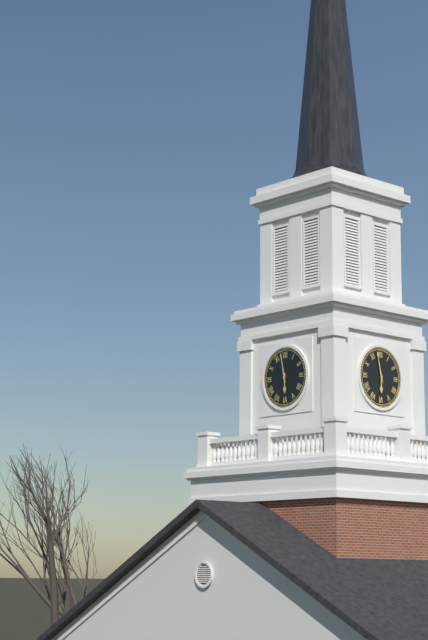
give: {"hour": 5, "minute": 58}
